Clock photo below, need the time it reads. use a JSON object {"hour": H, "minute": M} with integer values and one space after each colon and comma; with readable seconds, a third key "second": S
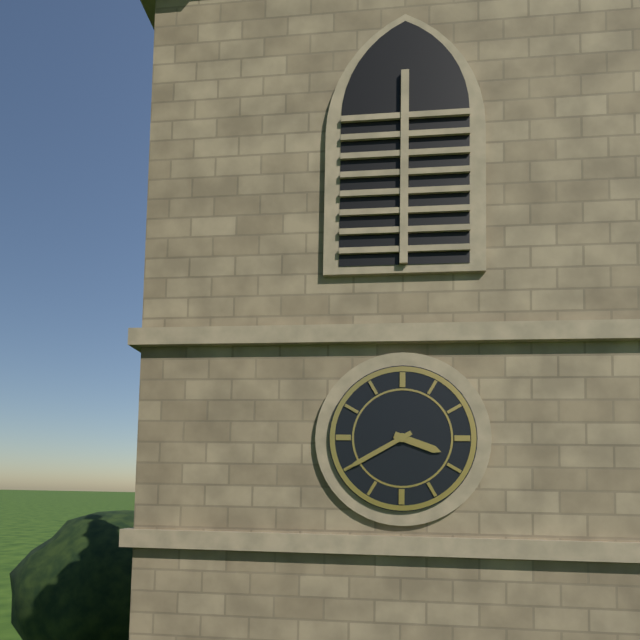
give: {"hour": 3, "minute": 40}
